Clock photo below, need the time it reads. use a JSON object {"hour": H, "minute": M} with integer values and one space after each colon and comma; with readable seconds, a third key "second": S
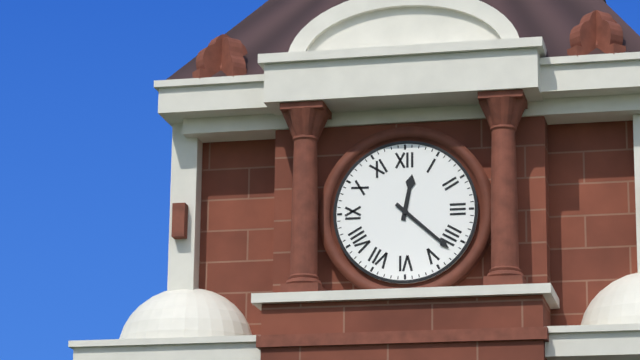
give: {"hour": 12, "minute": 22}
